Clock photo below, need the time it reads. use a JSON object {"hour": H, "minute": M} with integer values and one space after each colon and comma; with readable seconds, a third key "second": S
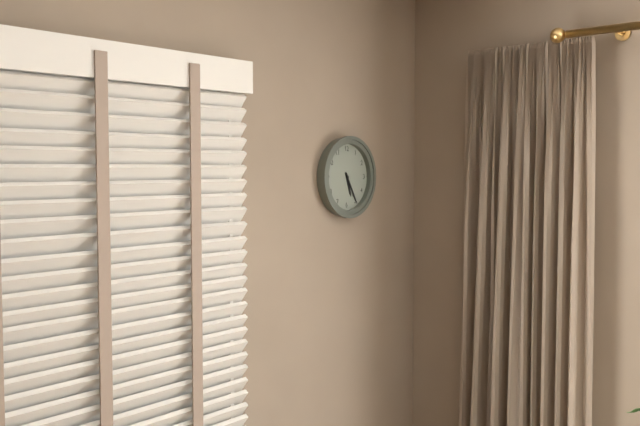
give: {"hour": 5, "minute": 25}
